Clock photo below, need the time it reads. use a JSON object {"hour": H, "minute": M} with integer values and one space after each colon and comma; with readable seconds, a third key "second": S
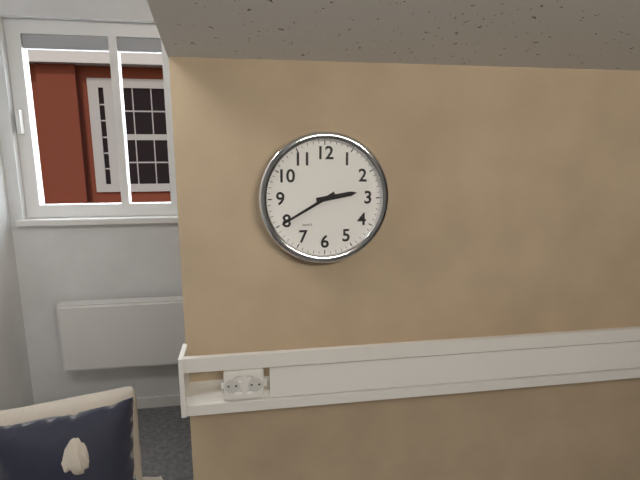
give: {"hour": 2, "minute": 40}
